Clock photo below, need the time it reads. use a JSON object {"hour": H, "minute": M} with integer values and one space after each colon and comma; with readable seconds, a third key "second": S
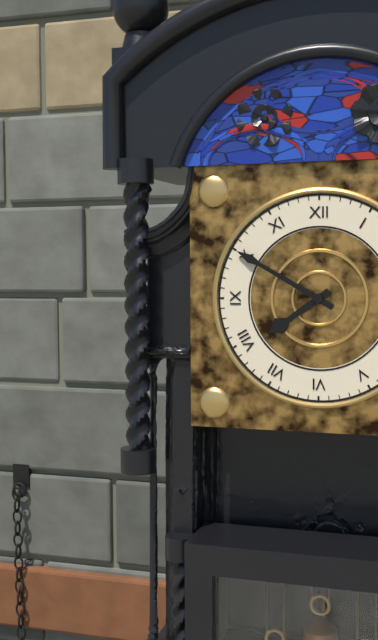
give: {"hour": 7, "minute": 50}
